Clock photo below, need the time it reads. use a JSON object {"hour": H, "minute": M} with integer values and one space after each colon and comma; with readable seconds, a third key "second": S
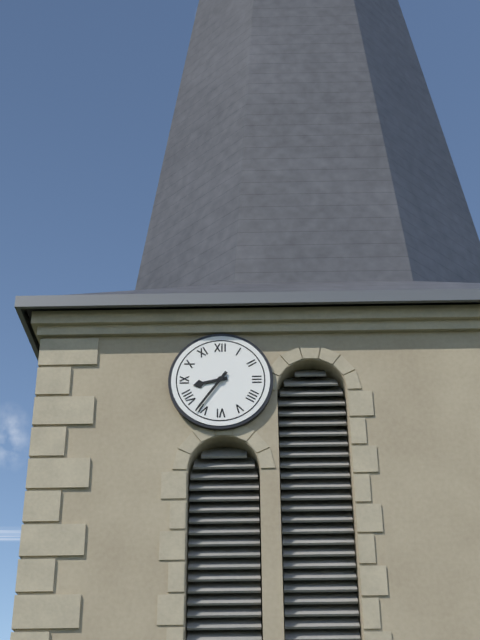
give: {"hour": 8, "minute": 36}
